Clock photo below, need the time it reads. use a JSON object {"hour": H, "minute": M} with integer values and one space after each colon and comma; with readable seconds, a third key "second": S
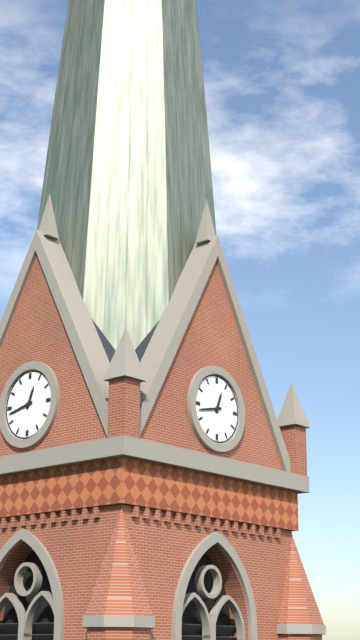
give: {"hour": 12, "minute": 43}
